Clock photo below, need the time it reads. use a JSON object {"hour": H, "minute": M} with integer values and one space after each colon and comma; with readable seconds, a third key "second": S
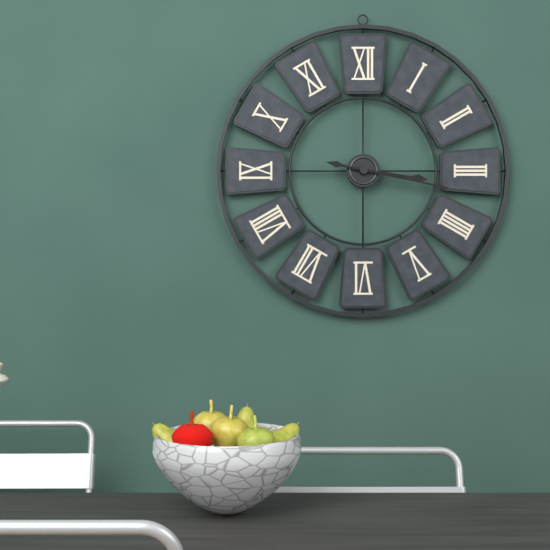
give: {"hour": 3, "minute": 17}
